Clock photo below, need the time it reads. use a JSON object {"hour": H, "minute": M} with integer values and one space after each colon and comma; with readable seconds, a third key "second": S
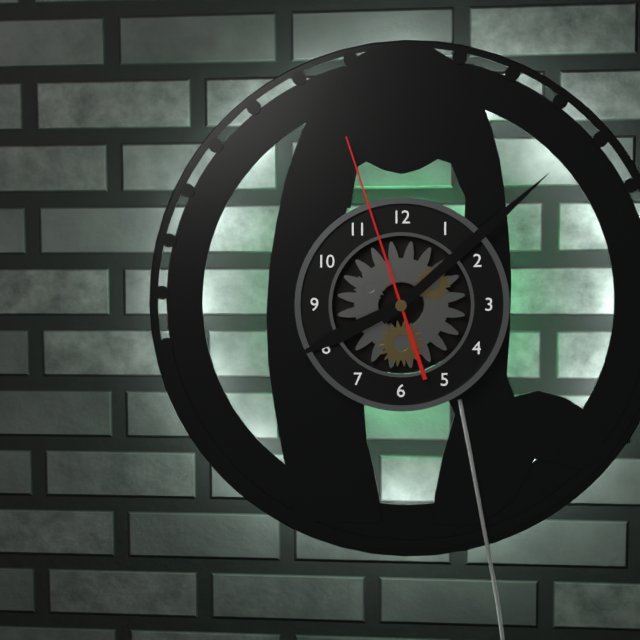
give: {"hour": 8, "minute": 8, "second": 57}
